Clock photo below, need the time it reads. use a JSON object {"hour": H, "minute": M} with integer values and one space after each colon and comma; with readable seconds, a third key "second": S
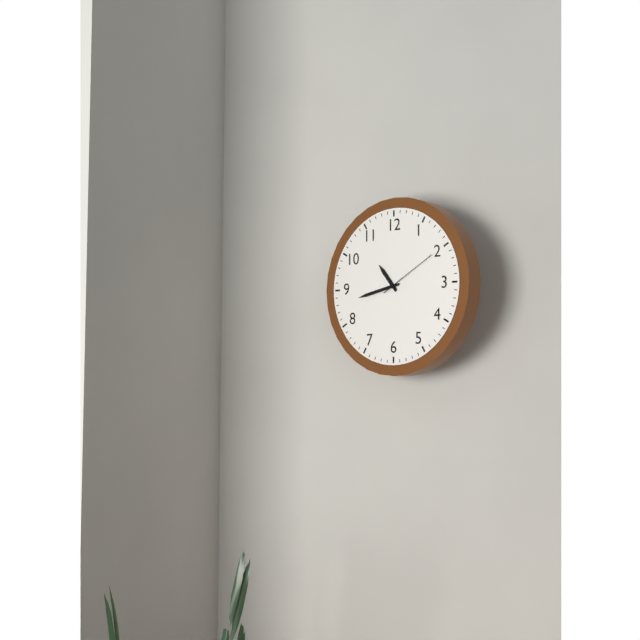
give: {"hour": 10, "minute": 43, "second": 10}
